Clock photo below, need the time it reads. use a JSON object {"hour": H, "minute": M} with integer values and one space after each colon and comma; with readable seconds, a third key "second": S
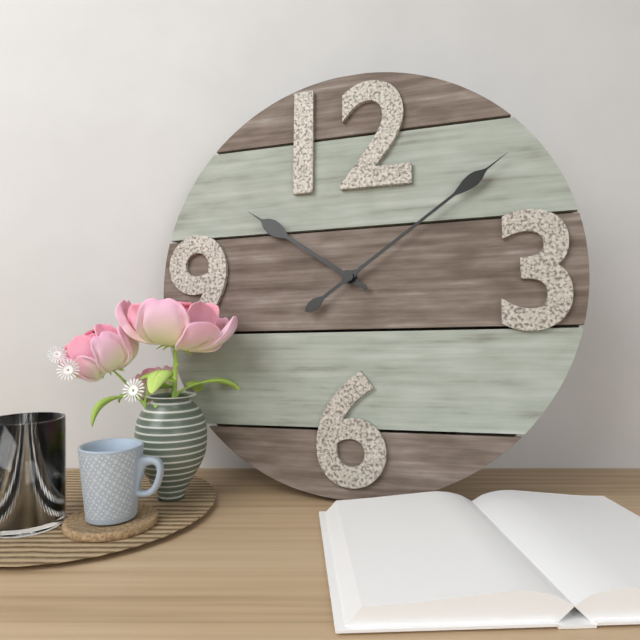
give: {"hour": 10, "minute": 9}
